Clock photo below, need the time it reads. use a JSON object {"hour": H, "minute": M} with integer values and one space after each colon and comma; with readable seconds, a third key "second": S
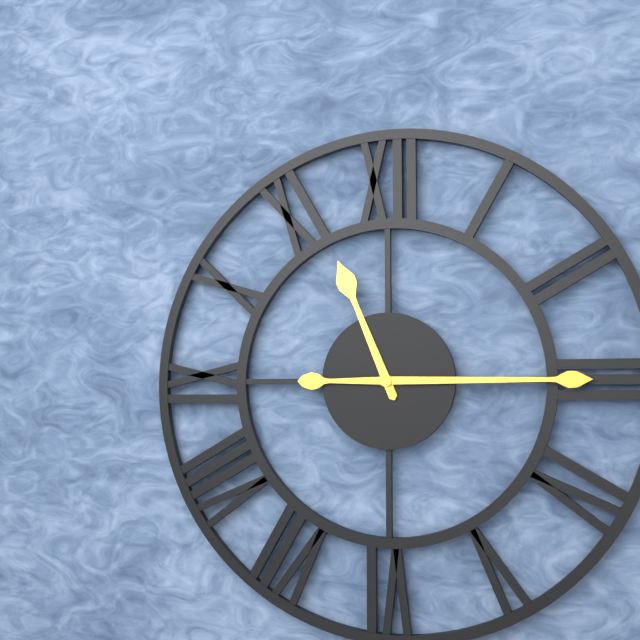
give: {"hour": 11, "minute": 15}
